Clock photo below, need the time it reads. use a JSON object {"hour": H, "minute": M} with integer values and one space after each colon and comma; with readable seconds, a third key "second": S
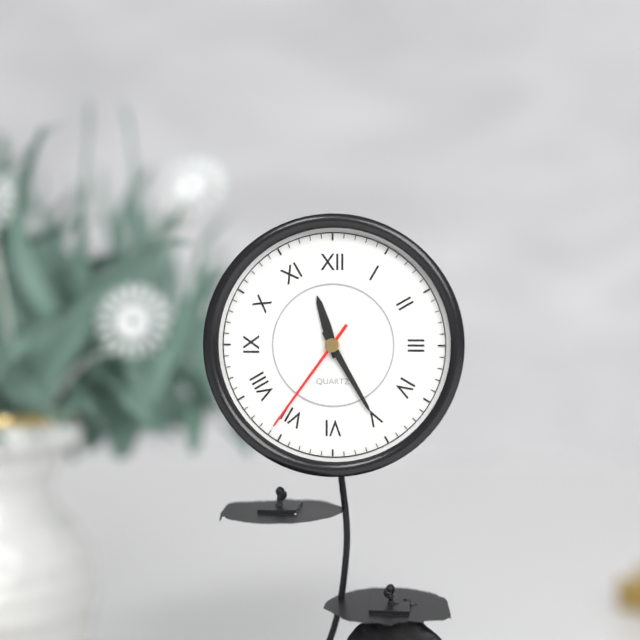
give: {"hour": 11, "minute": 25, "second": 36}
